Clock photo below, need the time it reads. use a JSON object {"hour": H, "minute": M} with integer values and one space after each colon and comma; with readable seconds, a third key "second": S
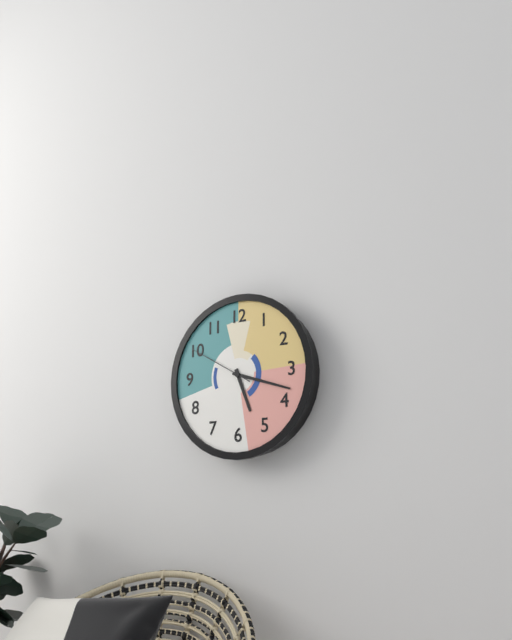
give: {"hour": 5, "minute": 18, "second": 50}
